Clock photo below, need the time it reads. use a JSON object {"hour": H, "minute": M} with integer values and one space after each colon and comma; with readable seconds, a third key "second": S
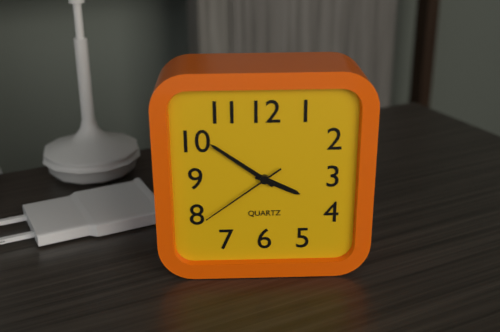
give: {"hour": 3, "minute": 51, "second": 39}
